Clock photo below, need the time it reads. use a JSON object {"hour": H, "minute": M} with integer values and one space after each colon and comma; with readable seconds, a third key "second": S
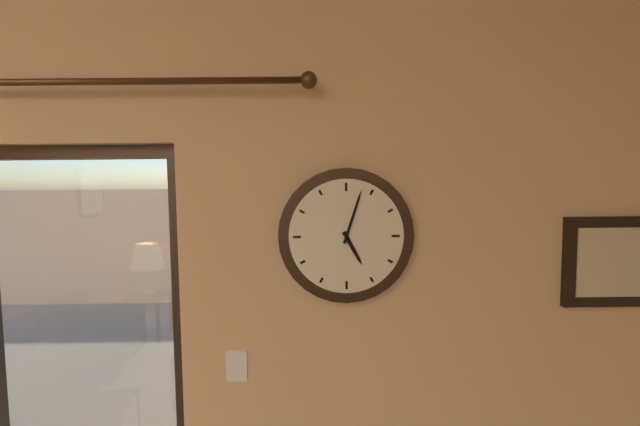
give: {"hour": 5, "minute": 3}
